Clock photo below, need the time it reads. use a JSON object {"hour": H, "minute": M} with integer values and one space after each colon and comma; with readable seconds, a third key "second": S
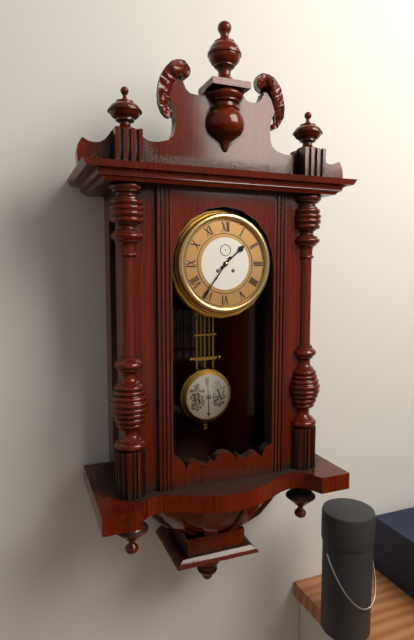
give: {"hour": 1, "minute": 36}
